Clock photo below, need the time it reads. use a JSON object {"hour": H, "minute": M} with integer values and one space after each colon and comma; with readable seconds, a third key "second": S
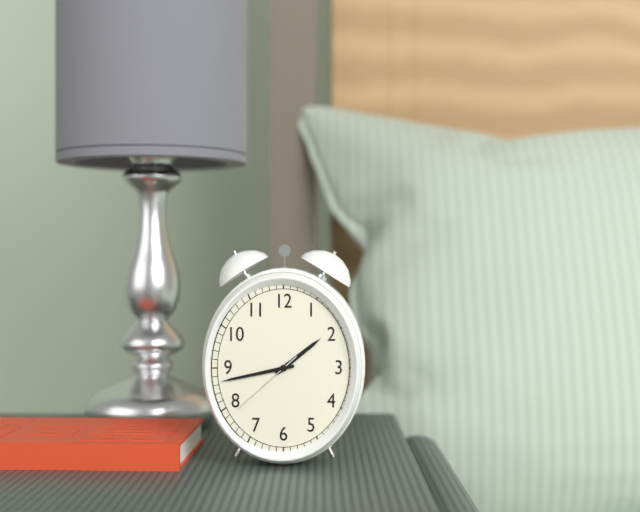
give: {"hour": 1, "minute": 43, "second": 38}
